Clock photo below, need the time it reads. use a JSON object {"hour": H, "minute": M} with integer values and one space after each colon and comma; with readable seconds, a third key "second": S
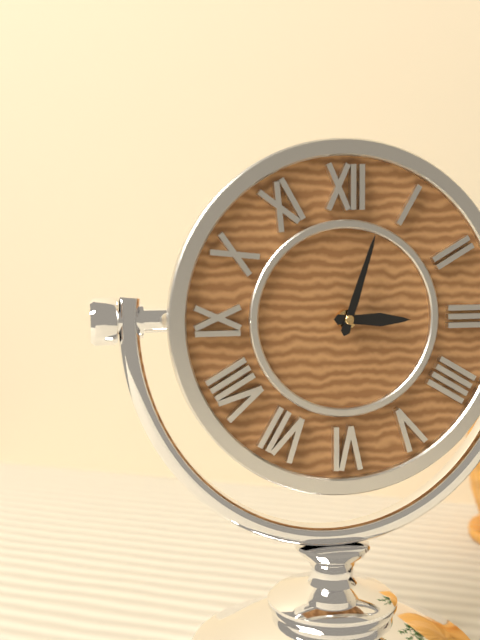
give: {"hour": 3, "minute": 3}
